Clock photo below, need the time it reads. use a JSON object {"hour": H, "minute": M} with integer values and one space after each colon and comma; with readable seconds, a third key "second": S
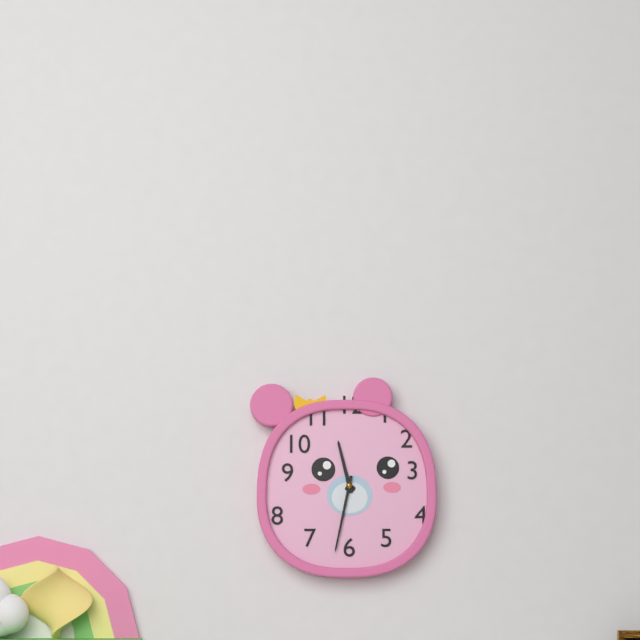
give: {"hour": 11, "minute": 32}
